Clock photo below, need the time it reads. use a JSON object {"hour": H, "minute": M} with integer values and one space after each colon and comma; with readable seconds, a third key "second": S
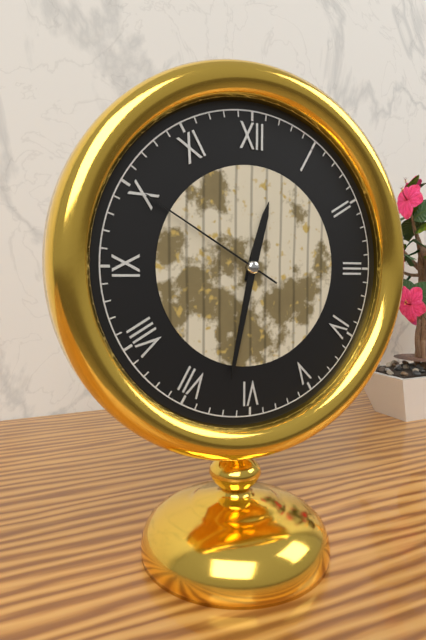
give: {"hour": 12, "minute": 32, "second": 50}
